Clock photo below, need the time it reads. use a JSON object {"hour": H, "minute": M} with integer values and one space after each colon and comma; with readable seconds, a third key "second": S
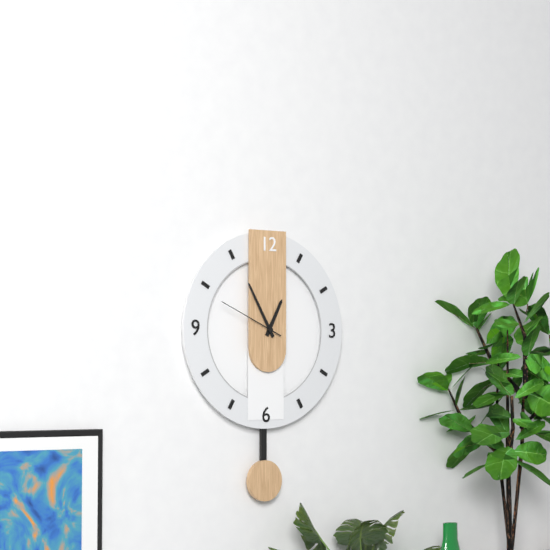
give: {"hour": 12, "minute": 55, "second": 49}
